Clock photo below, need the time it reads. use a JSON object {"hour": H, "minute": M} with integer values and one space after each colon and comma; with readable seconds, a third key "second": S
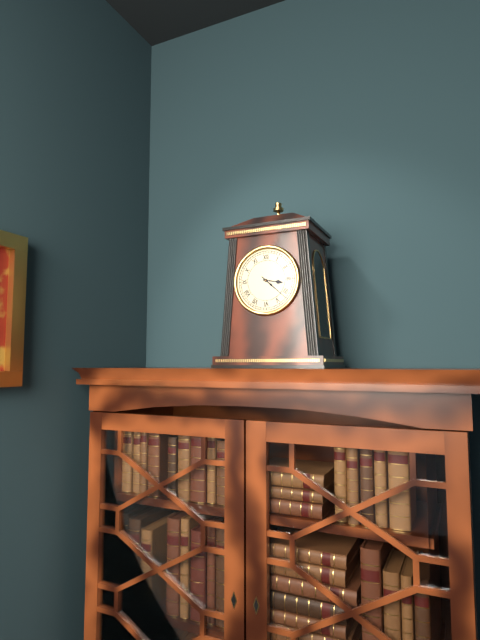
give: {"hour": 3, "minute": 22}
